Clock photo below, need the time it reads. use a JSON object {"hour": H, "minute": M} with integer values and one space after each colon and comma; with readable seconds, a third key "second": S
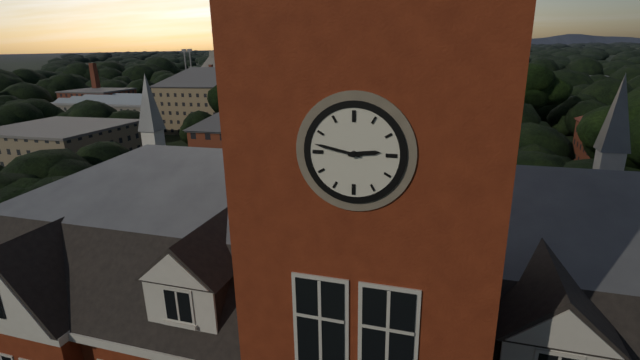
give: {"hour": 2, "minute": 47}
